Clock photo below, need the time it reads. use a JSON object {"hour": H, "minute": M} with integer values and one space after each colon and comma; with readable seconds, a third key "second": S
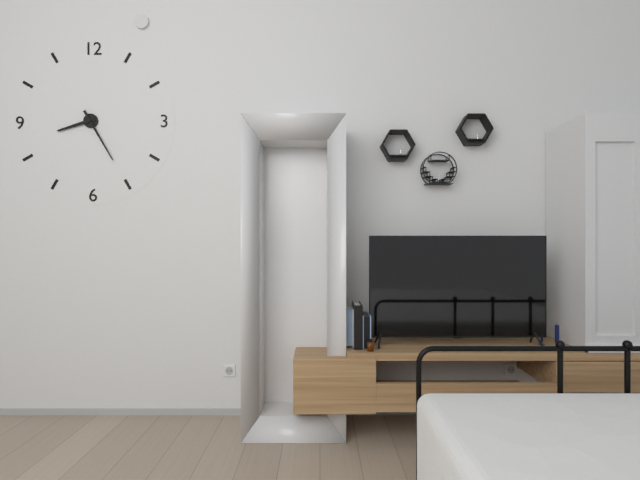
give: {"hour": 8, "minute": 25}
